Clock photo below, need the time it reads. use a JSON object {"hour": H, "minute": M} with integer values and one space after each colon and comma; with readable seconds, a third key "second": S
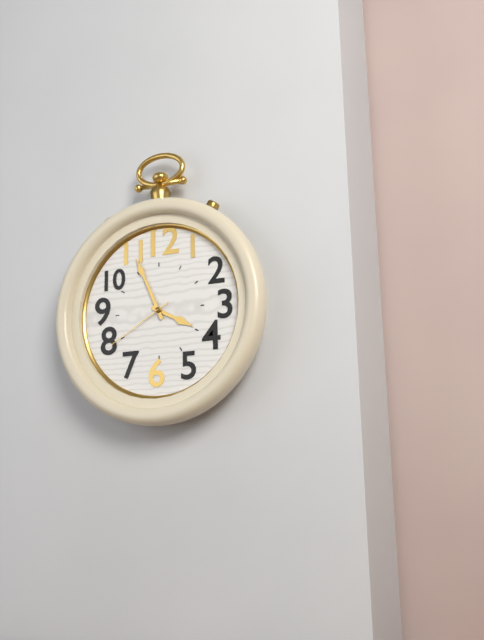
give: {"hour": 3, "minute": 56, "second": 40}
